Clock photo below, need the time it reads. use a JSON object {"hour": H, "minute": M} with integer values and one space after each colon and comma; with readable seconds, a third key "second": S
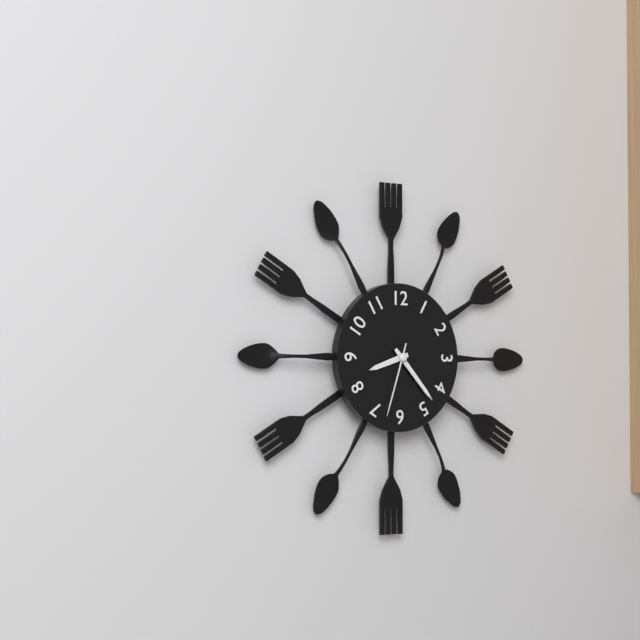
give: {"hour": 8, "minute": 23, "second": 33}
